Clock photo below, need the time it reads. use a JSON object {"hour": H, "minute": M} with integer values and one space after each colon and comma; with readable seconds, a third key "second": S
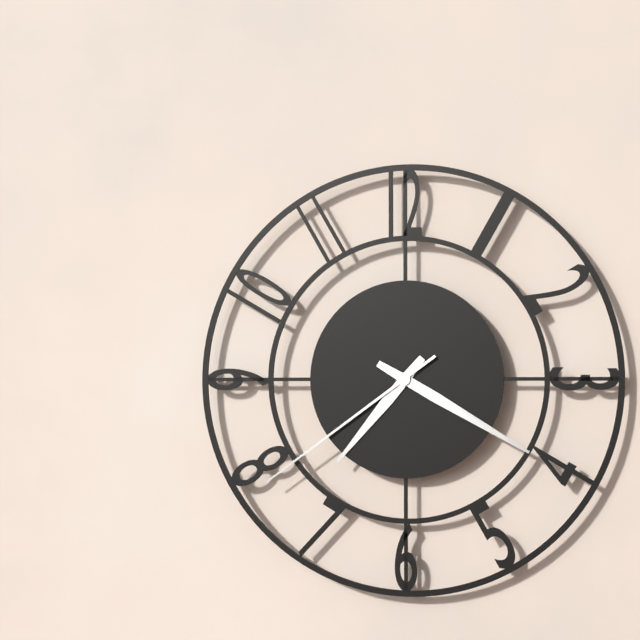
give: {"hour": 7, "minute": 20, "second": 39}
